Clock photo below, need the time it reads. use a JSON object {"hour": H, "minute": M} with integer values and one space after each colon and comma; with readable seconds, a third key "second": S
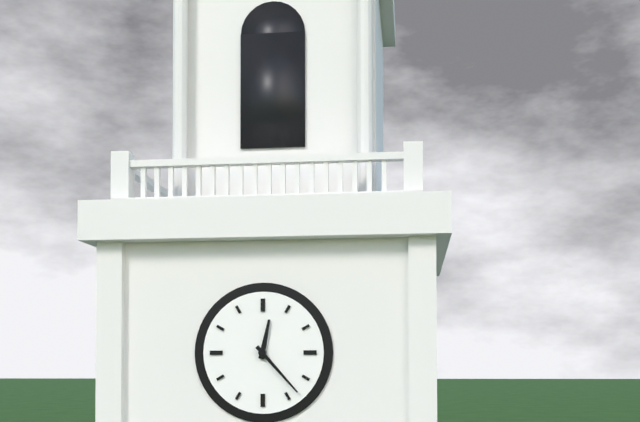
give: {"hour": 12, "minute": 23}
